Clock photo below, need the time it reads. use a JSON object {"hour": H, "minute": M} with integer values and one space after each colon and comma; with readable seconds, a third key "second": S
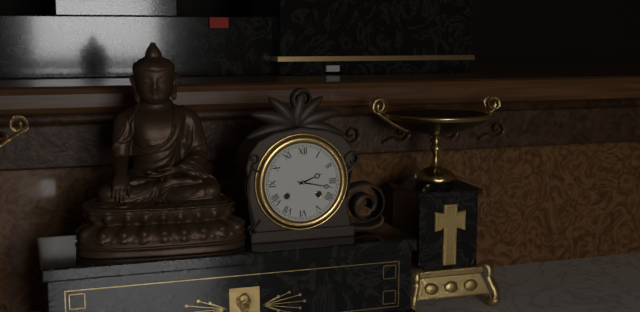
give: {"hour": 2, "minute": 17}
